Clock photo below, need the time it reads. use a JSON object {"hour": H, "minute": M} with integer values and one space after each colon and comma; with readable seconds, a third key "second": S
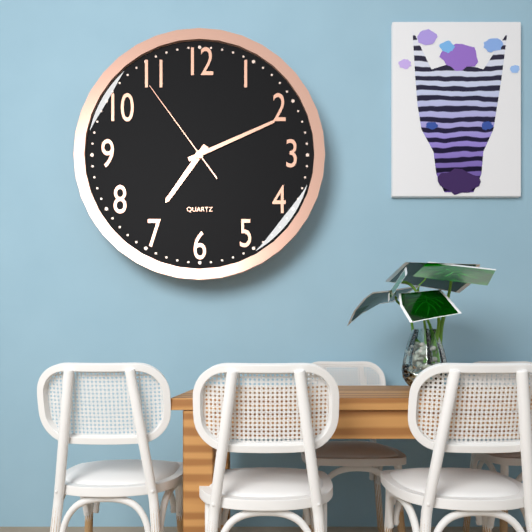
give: {"hour": 7, "minute": 11, "second": 54}
